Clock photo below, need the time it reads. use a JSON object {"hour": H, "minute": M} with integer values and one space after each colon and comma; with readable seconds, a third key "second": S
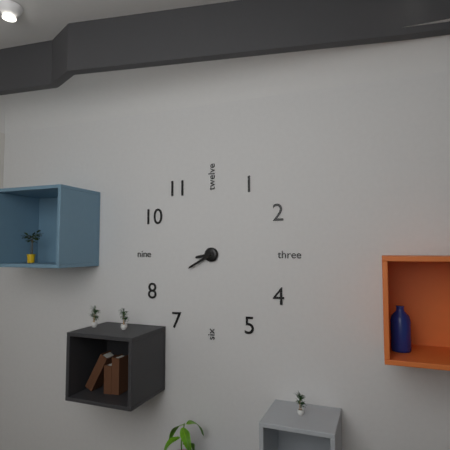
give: {"hour": 8, "minute": 40}
